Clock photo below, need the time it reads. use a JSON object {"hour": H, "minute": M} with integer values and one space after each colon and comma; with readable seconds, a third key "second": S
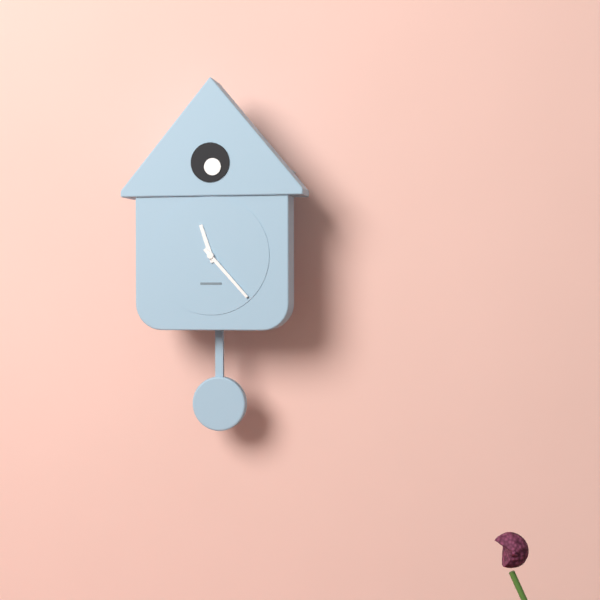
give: {"hour": 11, "minute": 23}
